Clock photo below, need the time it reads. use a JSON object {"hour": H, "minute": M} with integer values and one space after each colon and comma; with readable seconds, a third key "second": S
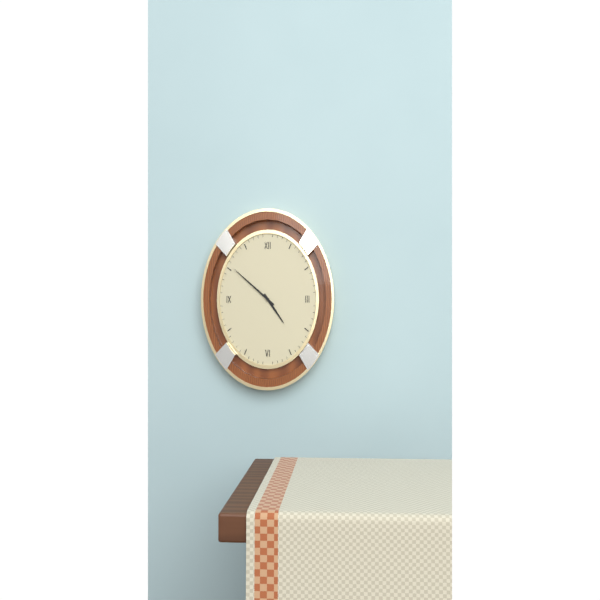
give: {"hour": 4, "minute": 52}
